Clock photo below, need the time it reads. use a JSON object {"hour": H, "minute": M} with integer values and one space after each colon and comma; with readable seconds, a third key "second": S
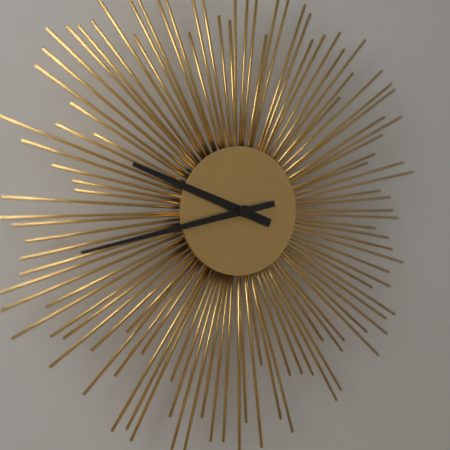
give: {"hour": 9, "minute": 43}
